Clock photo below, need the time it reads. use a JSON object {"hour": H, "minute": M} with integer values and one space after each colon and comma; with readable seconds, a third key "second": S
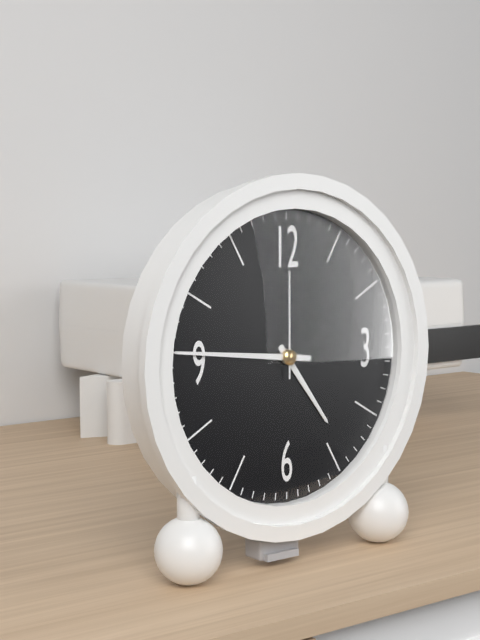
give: {"hour": 4, "minute": 46, "second": 0}
